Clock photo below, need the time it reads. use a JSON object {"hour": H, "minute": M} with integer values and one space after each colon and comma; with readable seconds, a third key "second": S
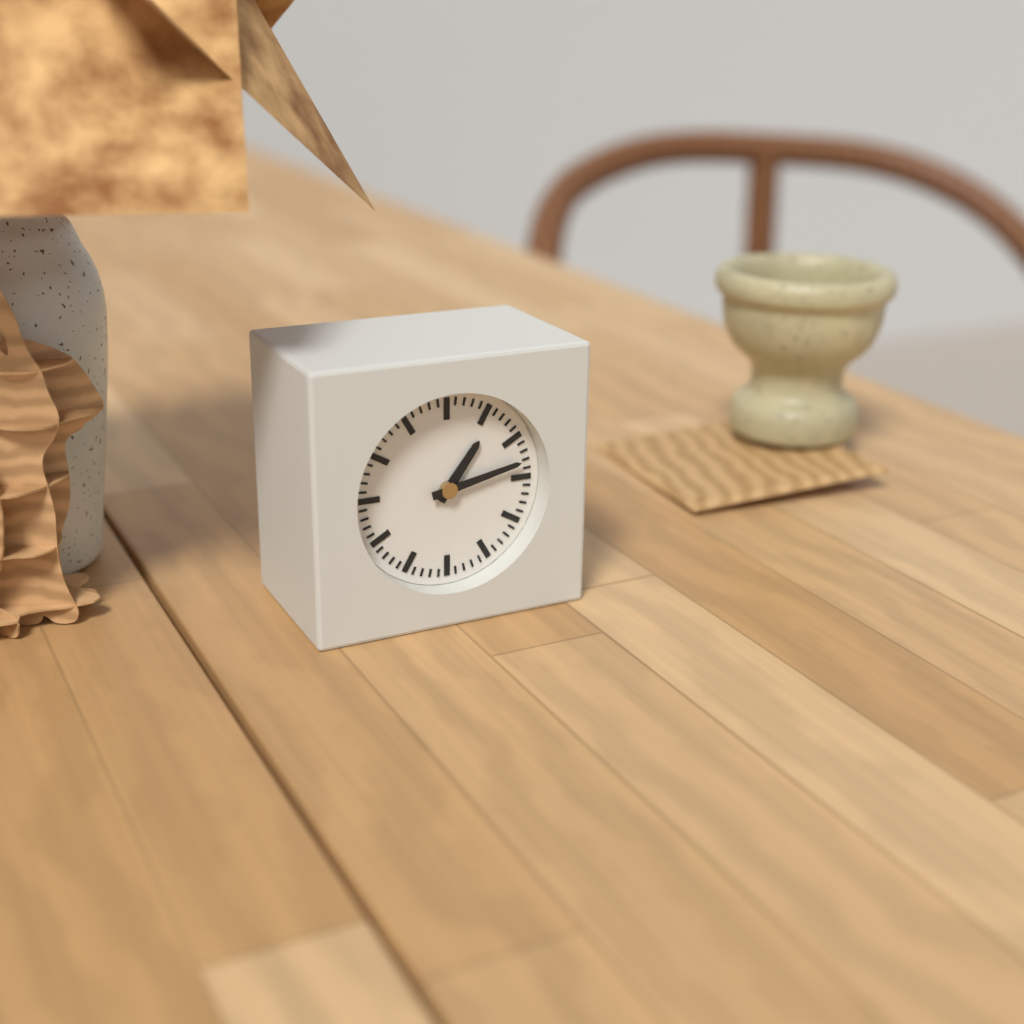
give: {"hour": 1, "minute": 13}
